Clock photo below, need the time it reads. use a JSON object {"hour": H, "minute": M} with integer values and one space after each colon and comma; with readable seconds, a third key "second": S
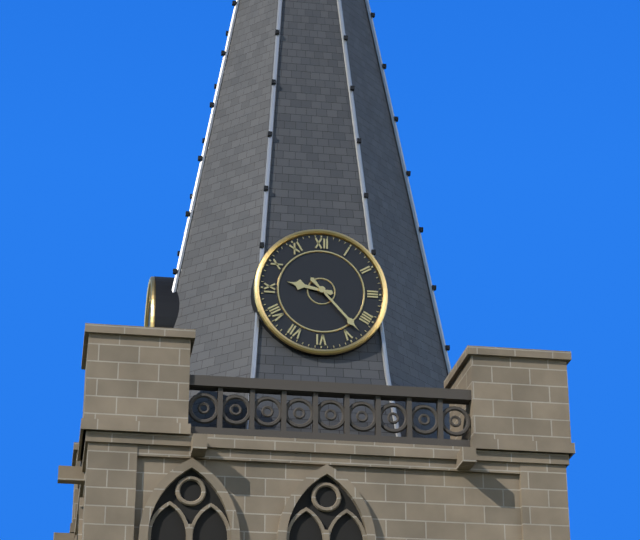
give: {"hour": 9, "minute": 23}
